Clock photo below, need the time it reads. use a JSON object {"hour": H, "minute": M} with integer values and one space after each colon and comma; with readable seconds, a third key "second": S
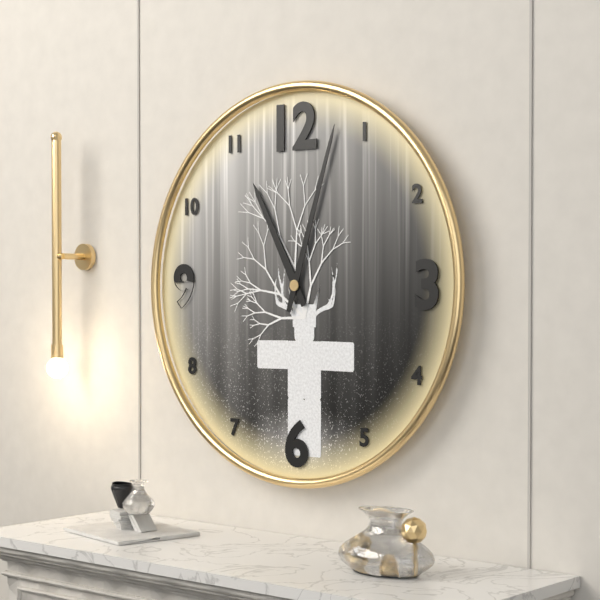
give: {"hour": 11, "minute": 3}
